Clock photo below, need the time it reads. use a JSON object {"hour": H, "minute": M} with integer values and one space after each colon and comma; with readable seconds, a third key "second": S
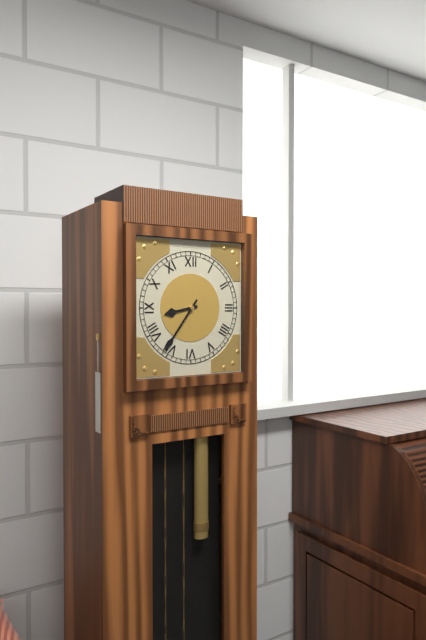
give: {"hour": 8, "minute": 36}
